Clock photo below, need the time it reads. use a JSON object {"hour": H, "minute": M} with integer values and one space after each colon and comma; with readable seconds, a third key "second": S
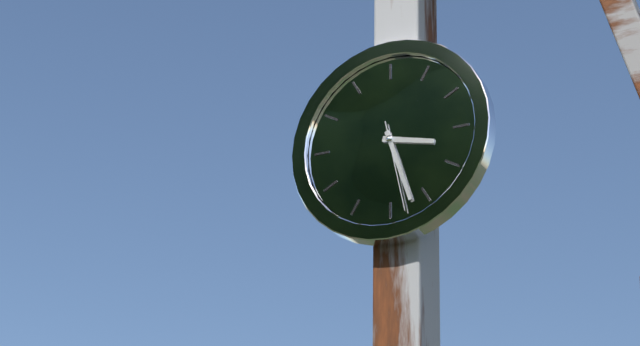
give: {"hour": 3, "minute": 27, "second": 28}
